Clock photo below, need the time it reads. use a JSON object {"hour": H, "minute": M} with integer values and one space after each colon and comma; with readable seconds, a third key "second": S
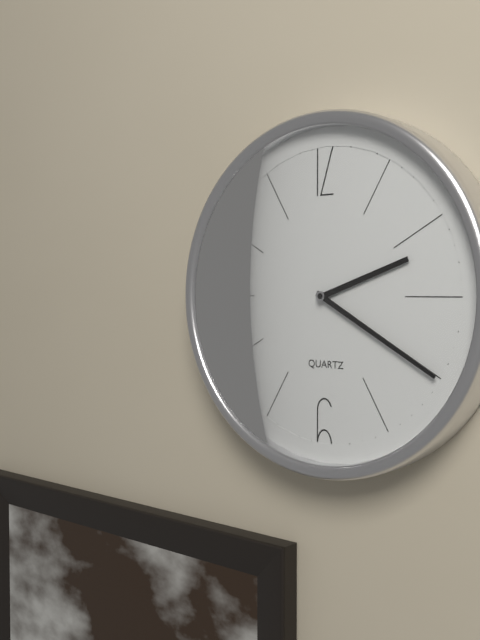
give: {"hour": 2, "minute": 20}
